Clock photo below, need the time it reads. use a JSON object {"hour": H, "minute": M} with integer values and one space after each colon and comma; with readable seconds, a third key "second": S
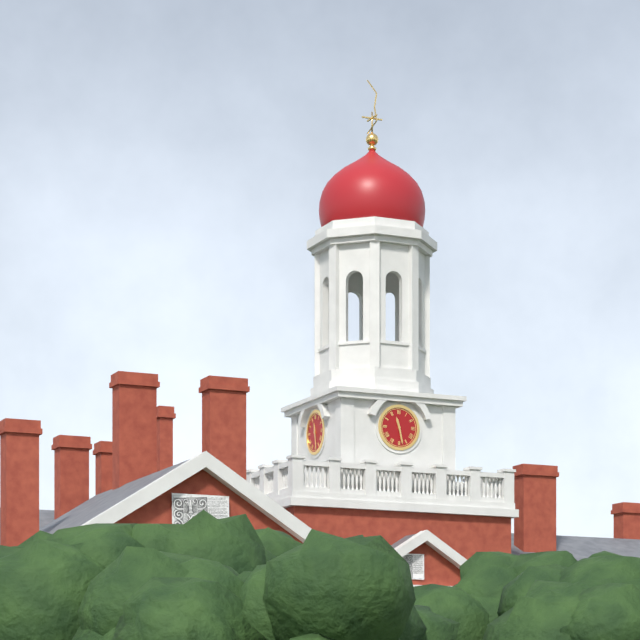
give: {"hour": 11, "minute": 28}
